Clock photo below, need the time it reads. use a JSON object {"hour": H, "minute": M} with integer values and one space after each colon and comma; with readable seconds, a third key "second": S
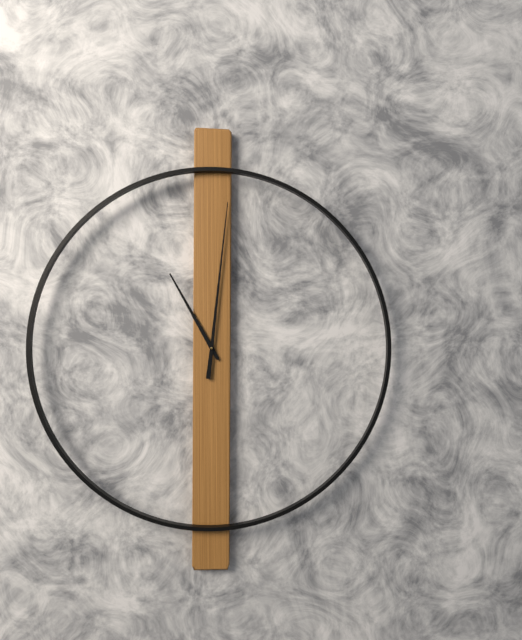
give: {"hour": 11, "minute": 1}
